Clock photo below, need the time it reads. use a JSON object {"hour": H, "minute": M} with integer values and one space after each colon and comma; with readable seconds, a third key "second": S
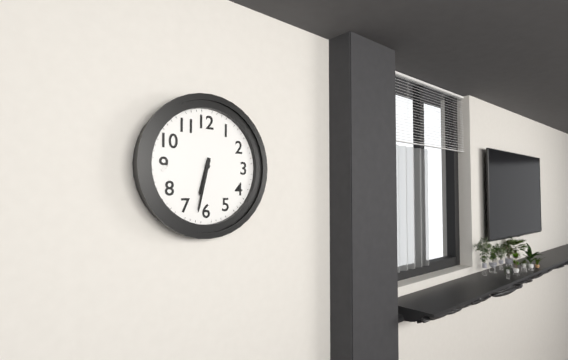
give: {"hour": 6, "minute": 32}
